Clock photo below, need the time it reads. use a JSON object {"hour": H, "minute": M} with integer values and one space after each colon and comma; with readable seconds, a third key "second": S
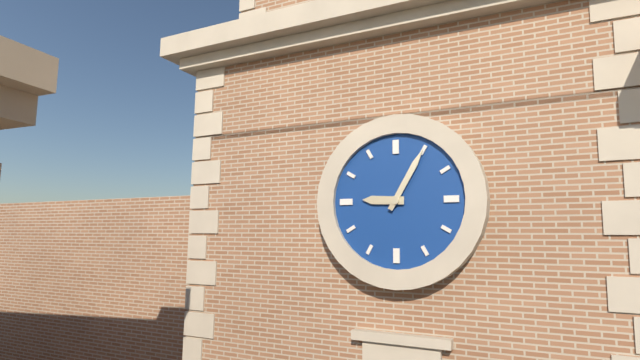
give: {"hour": 9, "minute": 5}
